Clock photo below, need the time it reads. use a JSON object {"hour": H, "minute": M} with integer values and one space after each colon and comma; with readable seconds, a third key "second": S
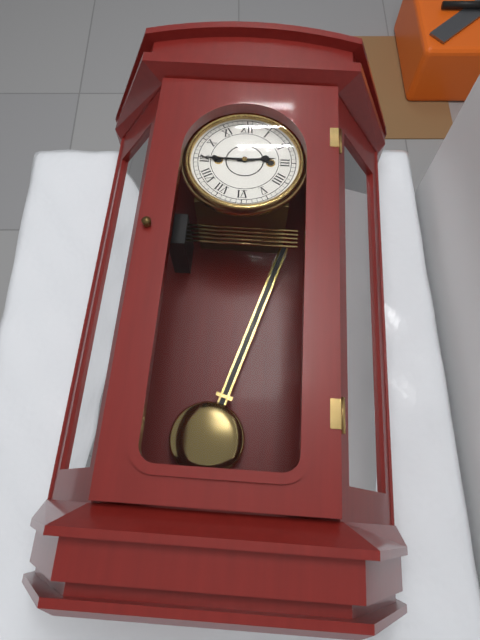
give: {"hour": 2, "minute": 45}
